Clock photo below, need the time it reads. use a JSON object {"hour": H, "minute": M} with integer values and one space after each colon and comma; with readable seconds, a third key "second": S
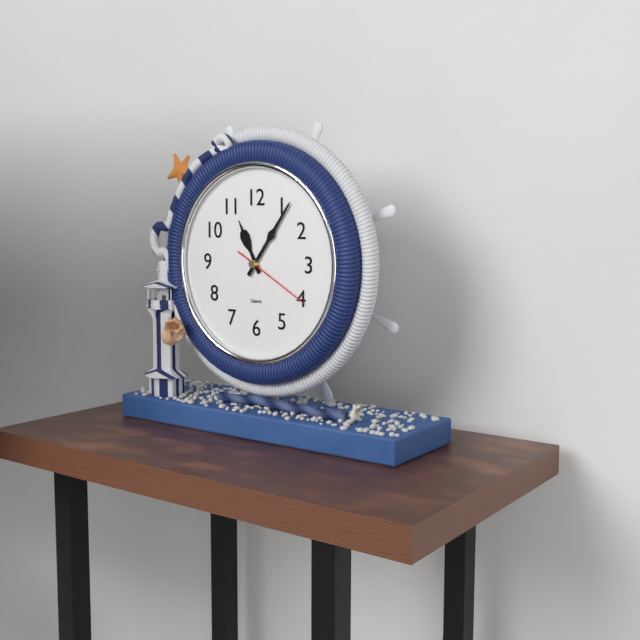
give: {"hour": 11, "minute": 6, "second": 20}
